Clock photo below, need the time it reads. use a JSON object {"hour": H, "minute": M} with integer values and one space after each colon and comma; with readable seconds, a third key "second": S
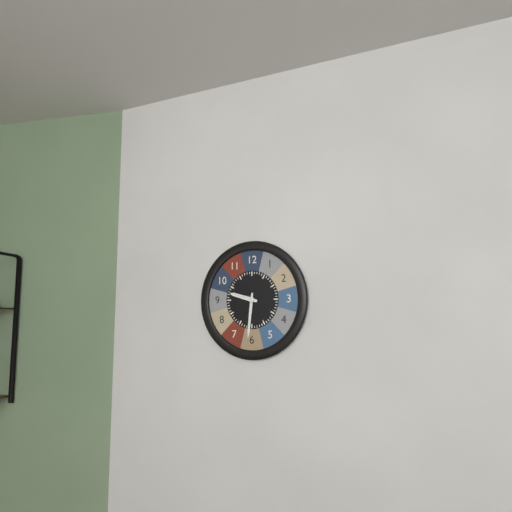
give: {"hour": 9, "minute": 31}
